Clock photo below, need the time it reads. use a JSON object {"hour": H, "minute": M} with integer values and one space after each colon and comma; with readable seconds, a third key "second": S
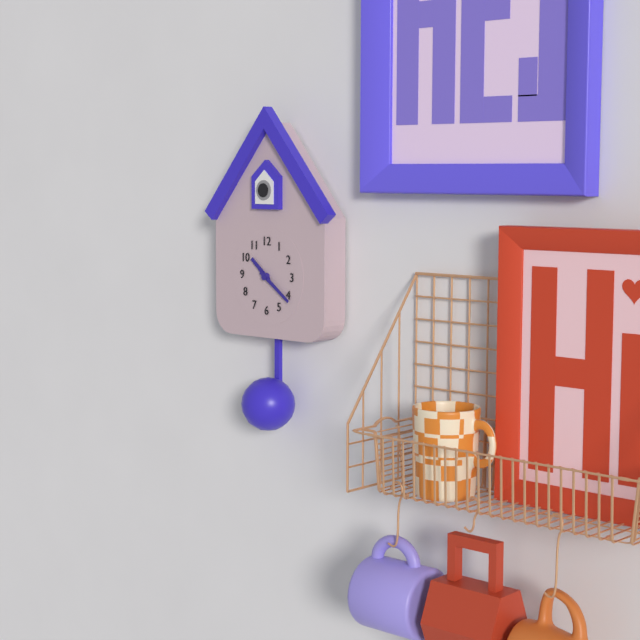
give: {"hour": 10, "minute": 21}
